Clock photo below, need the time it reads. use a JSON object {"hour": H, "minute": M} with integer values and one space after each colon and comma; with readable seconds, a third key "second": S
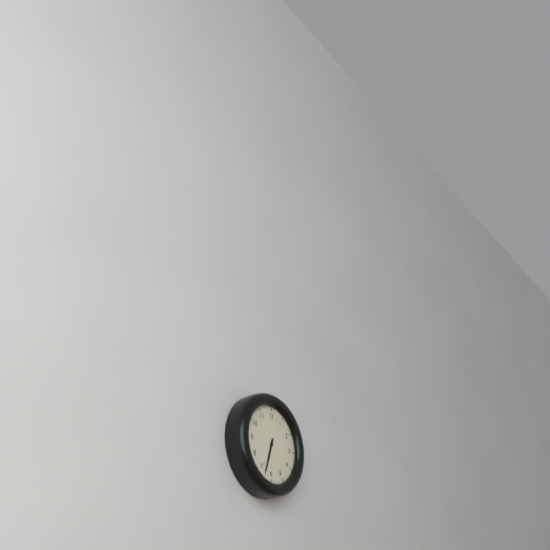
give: {"hour": 6, "minute": 33}
